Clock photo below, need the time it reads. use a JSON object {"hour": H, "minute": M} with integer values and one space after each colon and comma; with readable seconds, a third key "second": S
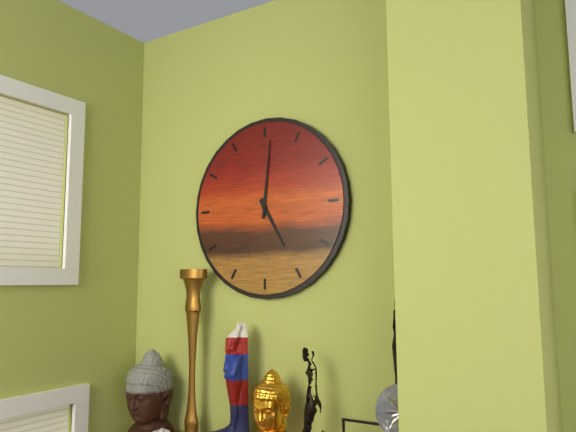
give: {"hour": 5, "minute": 1}
